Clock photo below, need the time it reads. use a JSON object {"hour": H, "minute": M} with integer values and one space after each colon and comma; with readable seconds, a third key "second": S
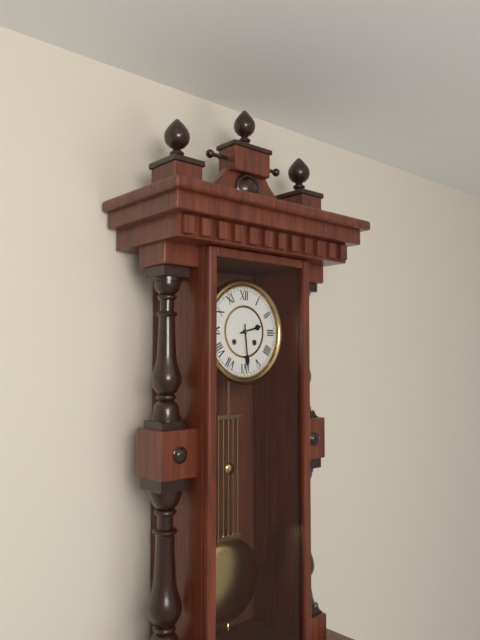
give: {"hour": 2, "minute": 29}
